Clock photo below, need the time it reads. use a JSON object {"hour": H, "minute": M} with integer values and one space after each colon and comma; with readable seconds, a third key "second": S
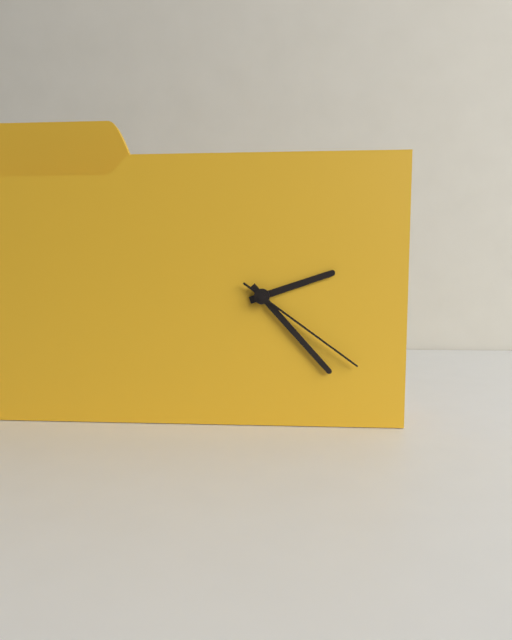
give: {"hour": 2, "minute": 23, "second": 21}
